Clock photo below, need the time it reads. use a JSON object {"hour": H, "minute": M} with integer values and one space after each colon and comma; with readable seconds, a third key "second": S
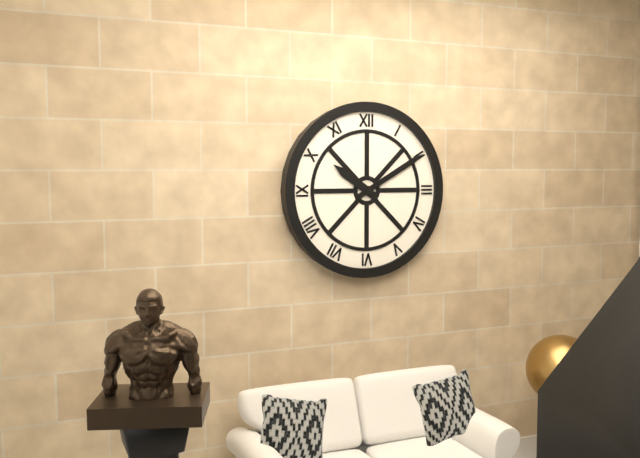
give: {"hour": 10, "minute": 10}
